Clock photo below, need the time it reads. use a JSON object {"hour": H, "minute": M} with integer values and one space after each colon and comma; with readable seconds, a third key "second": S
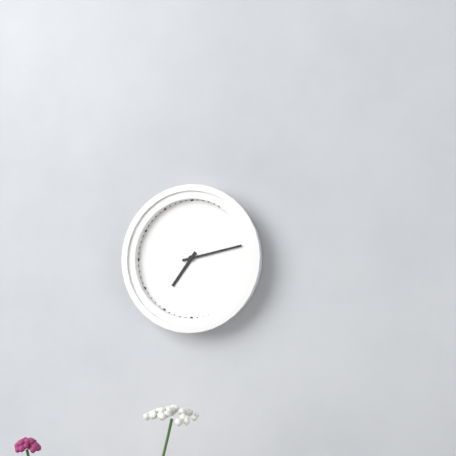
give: {"hour": 7, "minute": 13}
